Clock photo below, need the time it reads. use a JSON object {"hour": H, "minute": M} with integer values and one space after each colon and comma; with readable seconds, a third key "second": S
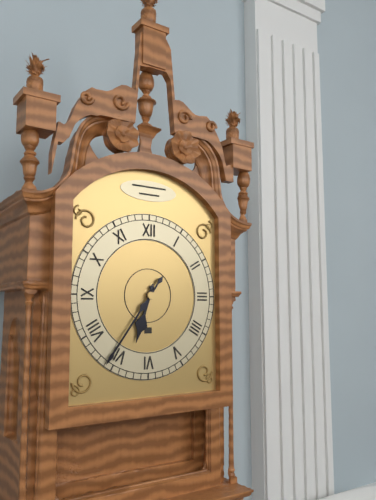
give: {"hour": 6, "minute": 36}
